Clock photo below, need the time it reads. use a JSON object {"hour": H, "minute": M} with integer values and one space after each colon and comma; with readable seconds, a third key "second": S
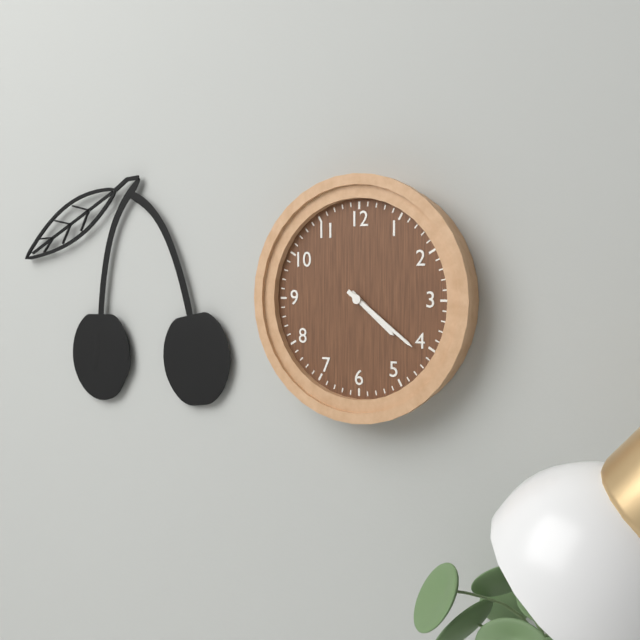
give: {"hour": 4, "minute": 21}
